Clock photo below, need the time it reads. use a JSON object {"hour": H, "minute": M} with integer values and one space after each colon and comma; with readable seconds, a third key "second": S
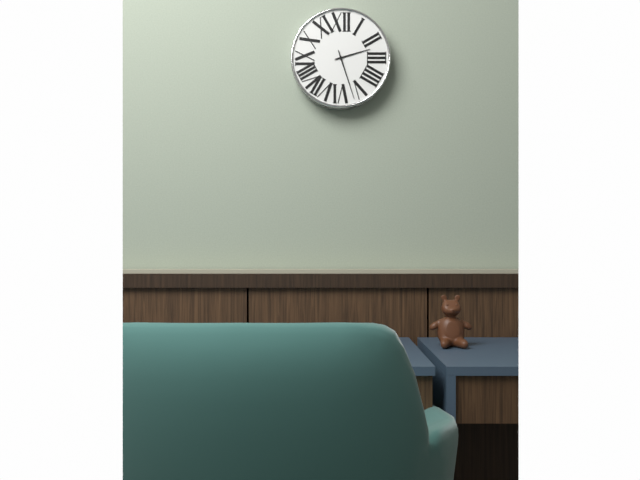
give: {"hour": 2, "minute": 27}
